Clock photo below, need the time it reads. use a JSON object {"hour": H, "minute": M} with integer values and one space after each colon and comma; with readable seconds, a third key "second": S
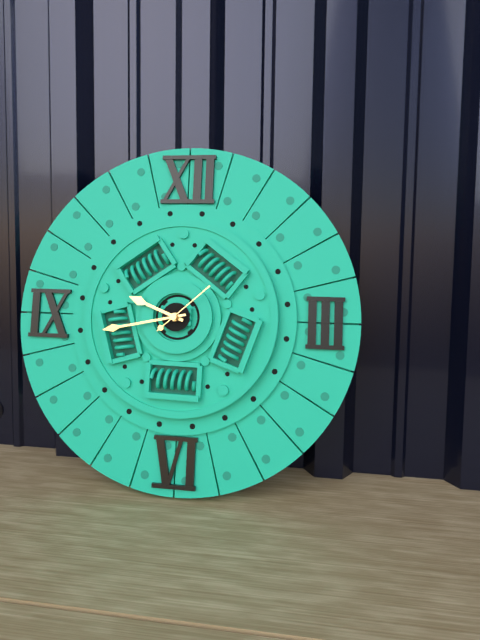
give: {"hour": 9, "minute": 43, "second": 8}
